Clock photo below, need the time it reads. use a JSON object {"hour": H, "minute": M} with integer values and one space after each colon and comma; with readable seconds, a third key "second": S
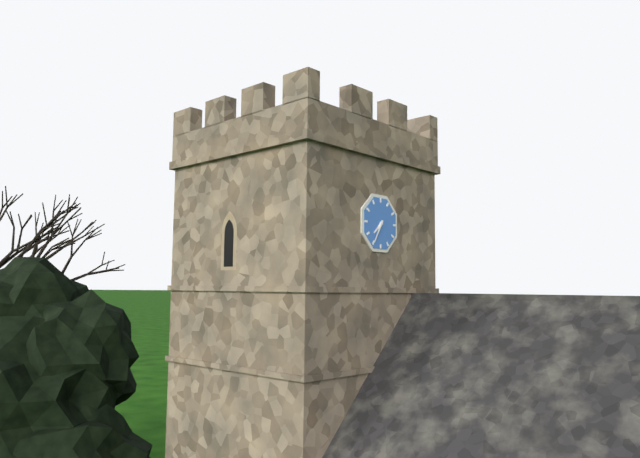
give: {"hour": 7, "minute": 35}
